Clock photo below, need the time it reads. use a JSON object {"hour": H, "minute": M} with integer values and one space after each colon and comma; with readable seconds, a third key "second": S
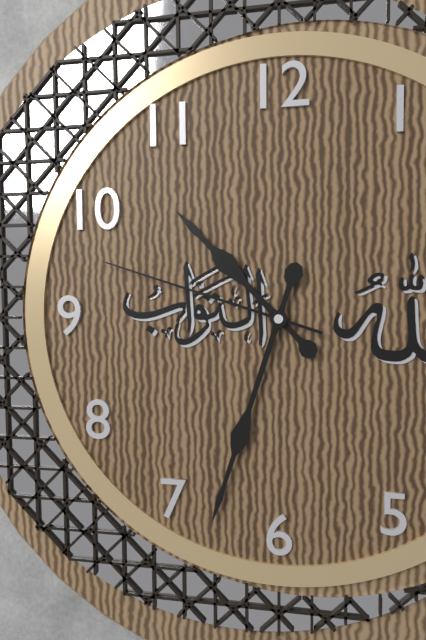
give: {"hour": 10, "minute": 33, "second": 48}
